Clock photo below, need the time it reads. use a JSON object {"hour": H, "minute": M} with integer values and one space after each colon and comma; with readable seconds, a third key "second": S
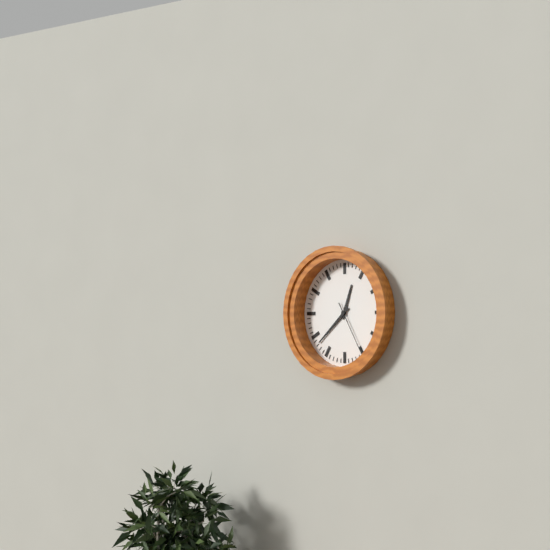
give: {"hour": 12, "minute": 38, "second": 25}
